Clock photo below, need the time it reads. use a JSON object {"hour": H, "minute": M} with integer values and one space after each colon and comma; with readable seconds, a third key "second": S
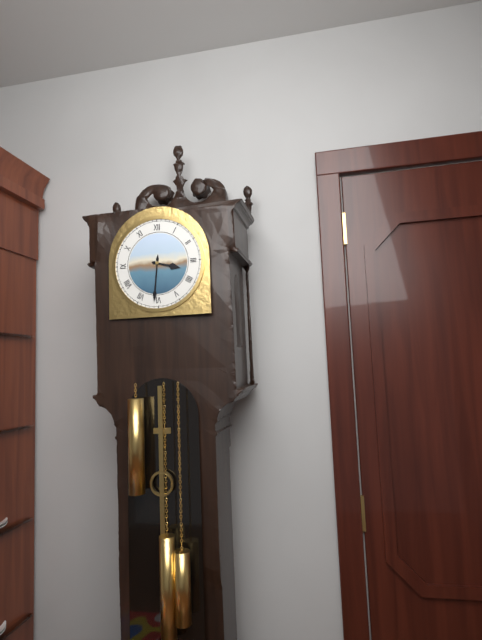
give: {"hour": 3, "minute": 31}
